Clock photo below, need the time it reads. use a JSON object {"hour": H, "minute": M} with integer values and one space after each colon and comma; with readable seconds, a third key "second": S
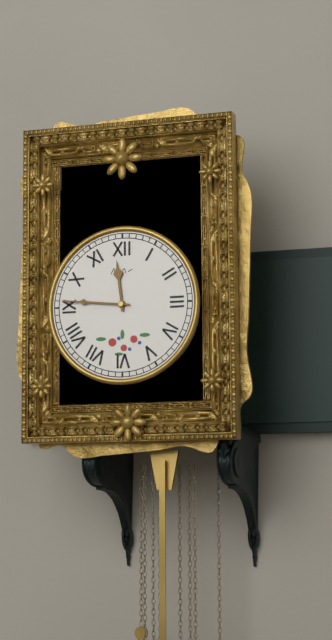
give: {"hour": 11, "minute": 46}
